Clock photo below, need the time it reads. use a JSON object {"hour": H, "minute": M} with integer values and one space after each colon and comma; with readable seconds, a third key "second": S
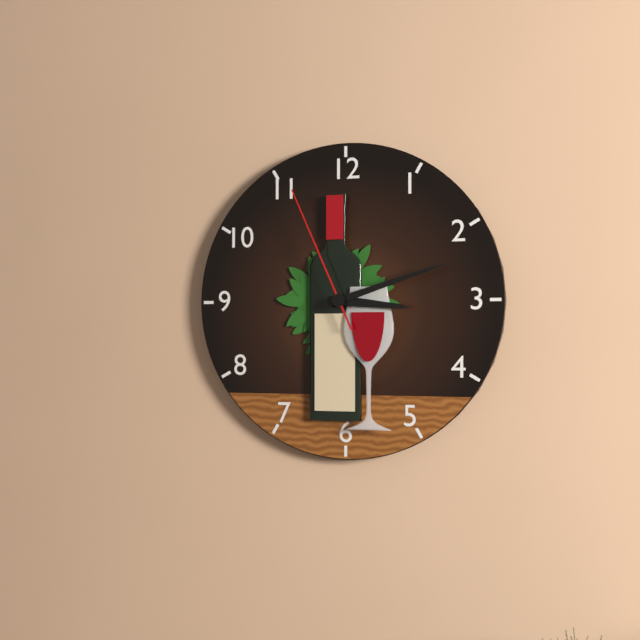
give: {"hour": 3, "minute": 12, "second": 56}
